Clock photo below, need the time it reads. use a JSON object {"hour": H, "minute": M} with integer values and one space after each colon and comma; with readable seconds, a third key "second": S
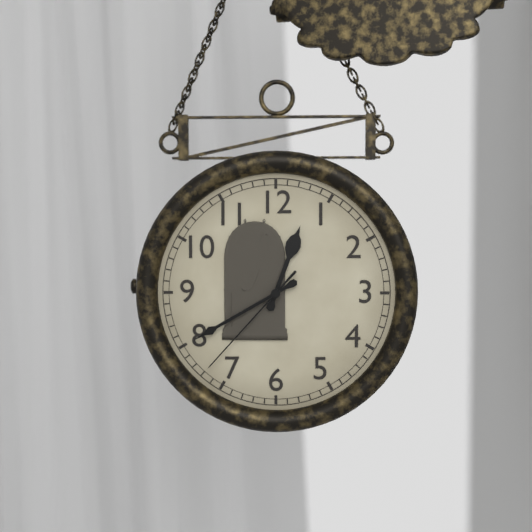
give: {"hour": 12, "minute": 40, "second": 37}
